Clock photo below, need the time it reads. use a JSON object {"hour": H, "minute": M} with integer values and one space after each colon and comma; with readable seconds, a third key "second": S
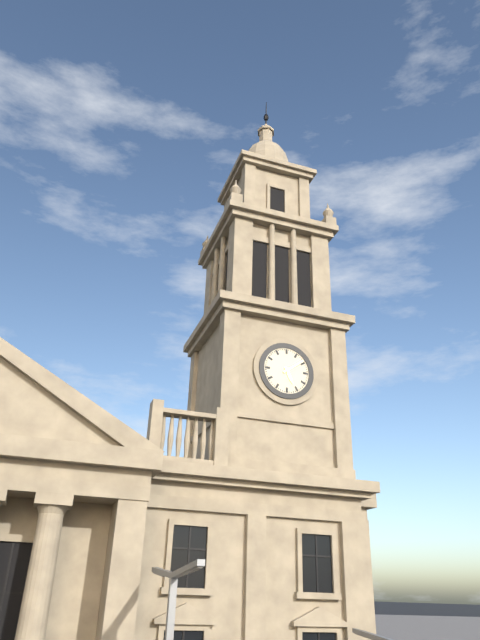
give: {"hour": 5, "minute": 9}
